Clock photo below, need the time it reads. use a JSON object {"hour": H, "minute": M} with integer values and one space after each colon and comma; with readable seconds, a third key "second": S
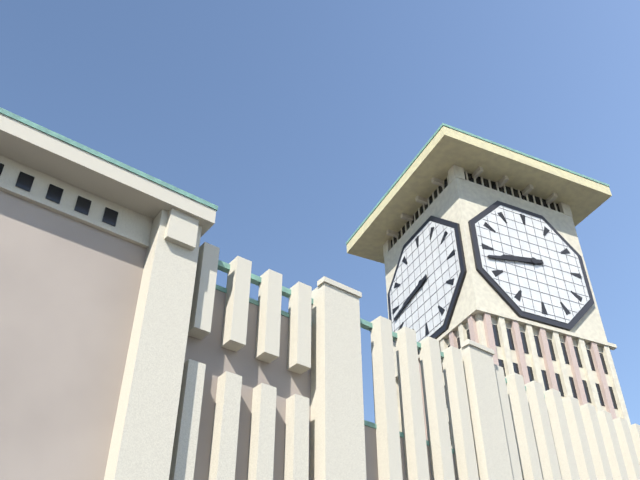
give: {"hour": 8, "minute": 43}
